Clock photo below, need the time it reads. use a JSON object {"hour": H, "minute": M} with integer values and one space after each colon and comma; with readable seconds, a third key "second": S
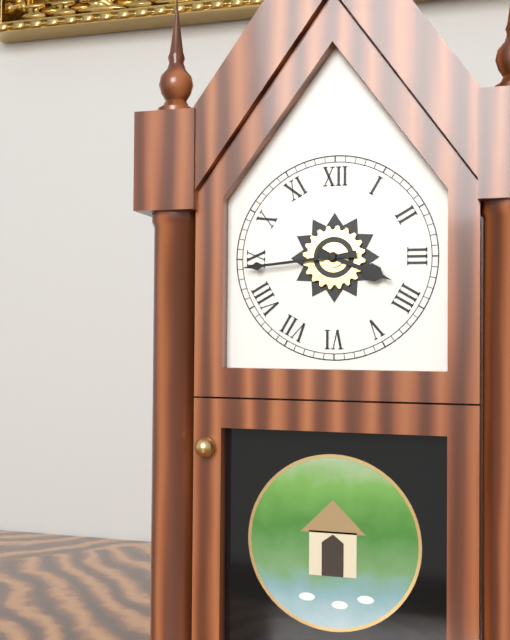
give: {"hour": 3, "minute": 44}
